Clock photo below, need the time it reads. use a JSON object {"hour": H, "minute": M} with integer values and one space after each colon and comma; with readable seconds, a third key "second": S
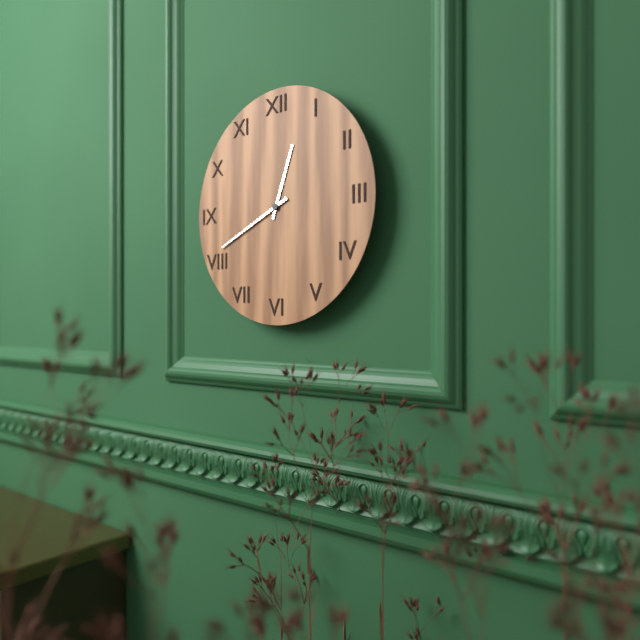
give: {"hour": 12, "minute": 41}
